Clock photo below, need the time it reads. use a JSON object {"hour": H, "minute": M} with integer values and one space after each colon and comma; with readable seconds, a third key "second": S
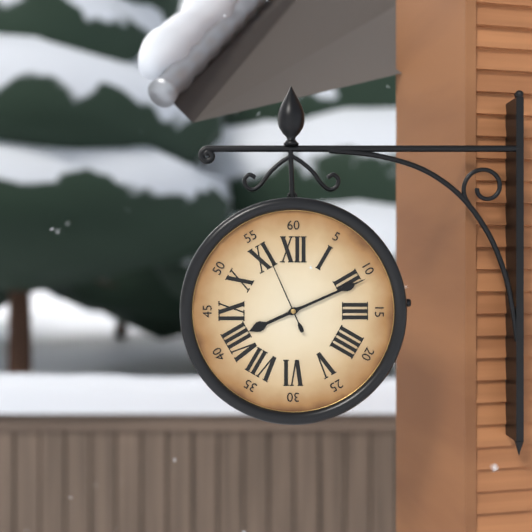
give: {"hour": 8, "minute": 11, "second": 56}
